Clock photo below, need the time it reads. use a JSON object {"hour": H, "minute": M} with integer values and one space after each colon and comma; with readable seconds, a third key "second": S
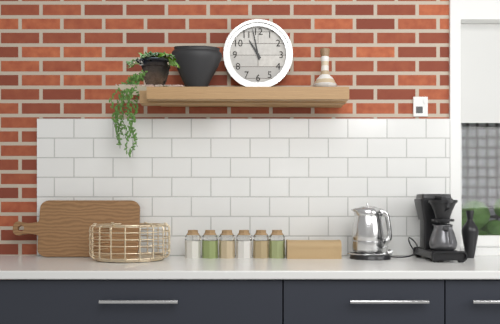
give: {"hour": 10, "minute": 58}
